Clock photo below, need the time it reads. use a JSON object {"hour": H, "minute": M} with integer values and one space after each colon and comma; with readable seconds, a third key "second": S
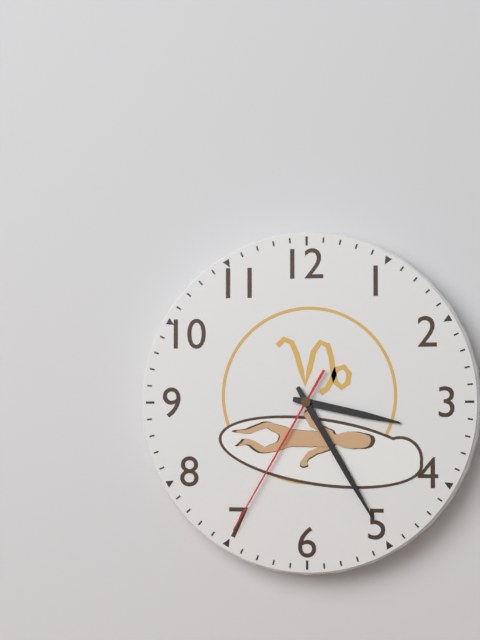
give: {"hour": 3, "minute": 25, "second": 35}
